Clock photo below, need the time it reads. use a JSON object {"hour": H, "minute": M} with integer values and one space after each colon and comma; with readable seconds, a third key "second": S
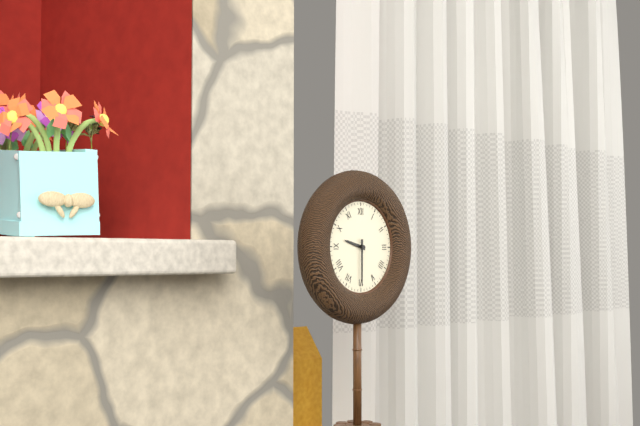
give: {"hour": 9, "minute": 30}
